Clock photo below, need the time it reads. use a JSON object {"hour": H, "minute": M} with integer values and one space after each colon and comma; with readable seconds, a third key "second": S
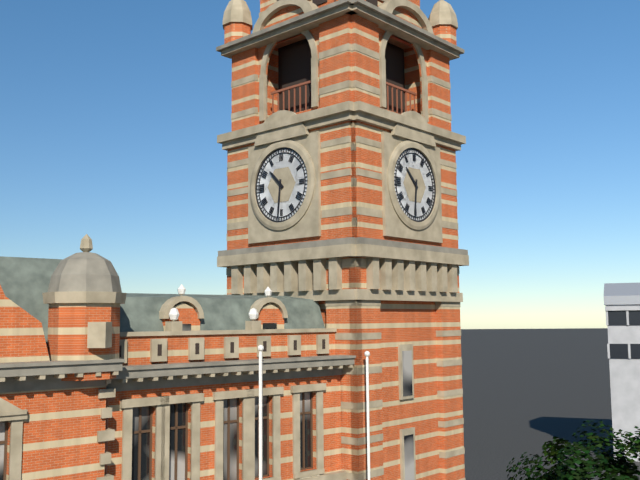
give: {"hour": 10, "minute": 31}
